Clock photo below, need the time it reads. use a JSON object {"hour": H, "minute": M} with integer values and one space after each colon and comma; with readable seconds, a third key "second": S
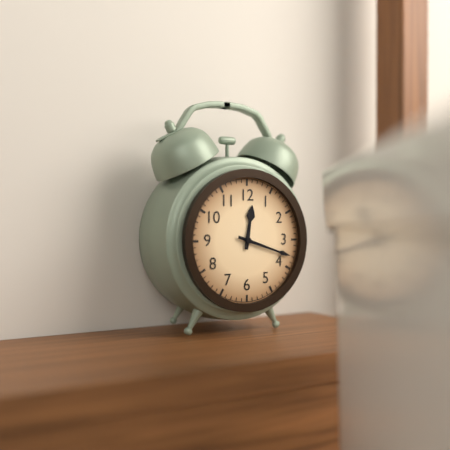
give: {"hour": 12, "minute": 18}
